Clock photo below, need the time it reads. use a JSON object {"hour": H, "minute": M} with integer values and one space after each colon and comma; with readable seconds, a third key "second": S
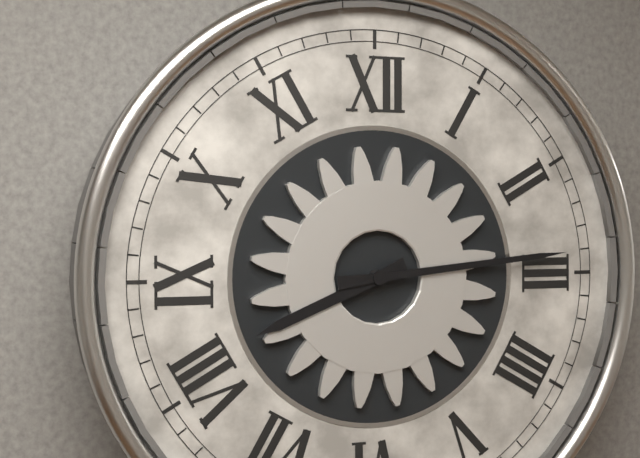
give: {"hour": 8, "minute": 14}
